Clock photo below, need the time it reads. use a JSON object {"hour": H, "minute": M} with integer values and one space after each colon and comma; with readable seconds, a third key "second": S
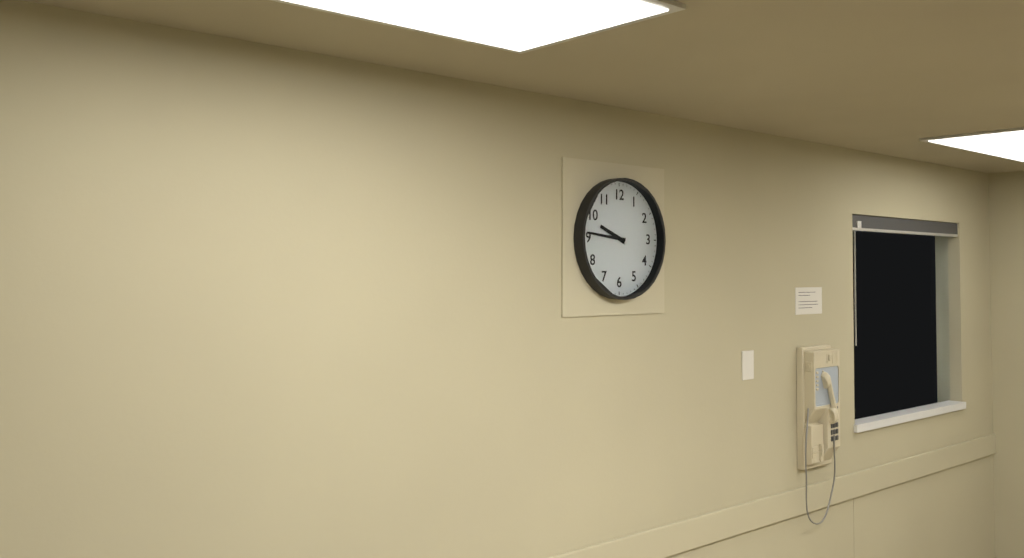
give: {"hour": 9, "minute": 46}
